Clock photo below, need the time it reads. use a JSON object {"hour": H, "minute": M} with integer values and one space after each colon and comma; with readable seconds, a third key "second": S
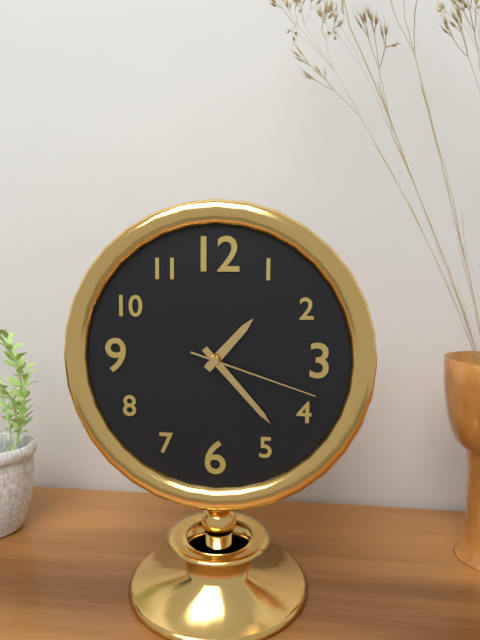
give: {"hour": 1, "minute": 23, "second": 18}
